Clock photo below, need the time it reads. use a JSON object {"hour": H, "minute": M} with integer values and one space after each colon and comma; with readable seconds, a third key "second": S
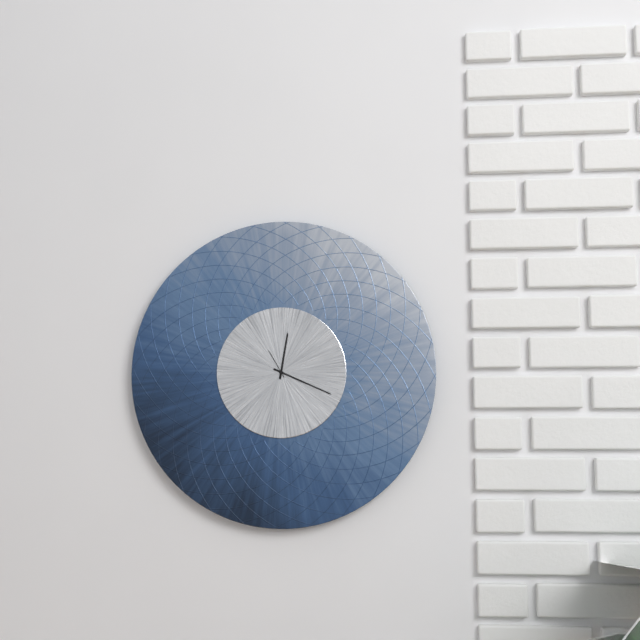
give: {"hour": 12, "minute": 19}
